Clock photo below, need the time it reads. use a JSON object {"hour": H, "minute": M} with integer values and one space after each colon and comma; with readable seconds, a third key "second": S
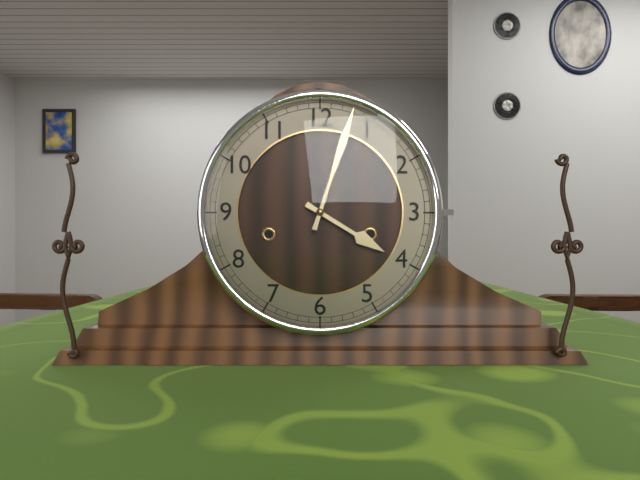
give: {"hour": 4, "minute": 3}
